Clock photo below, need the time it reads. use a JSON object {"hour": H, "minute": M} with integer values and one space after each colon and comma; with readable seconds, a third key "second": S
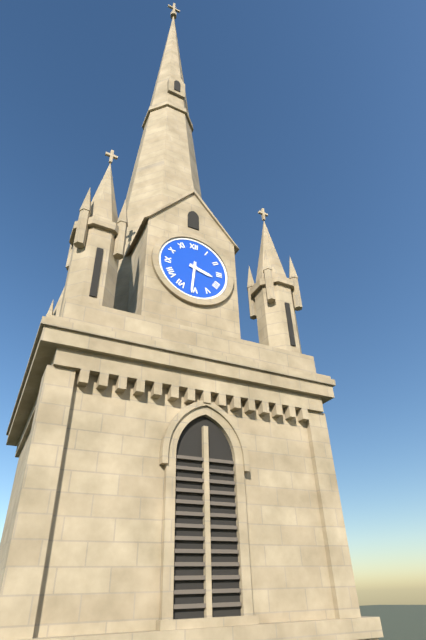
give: {"hour": 3, "minute": 31}
